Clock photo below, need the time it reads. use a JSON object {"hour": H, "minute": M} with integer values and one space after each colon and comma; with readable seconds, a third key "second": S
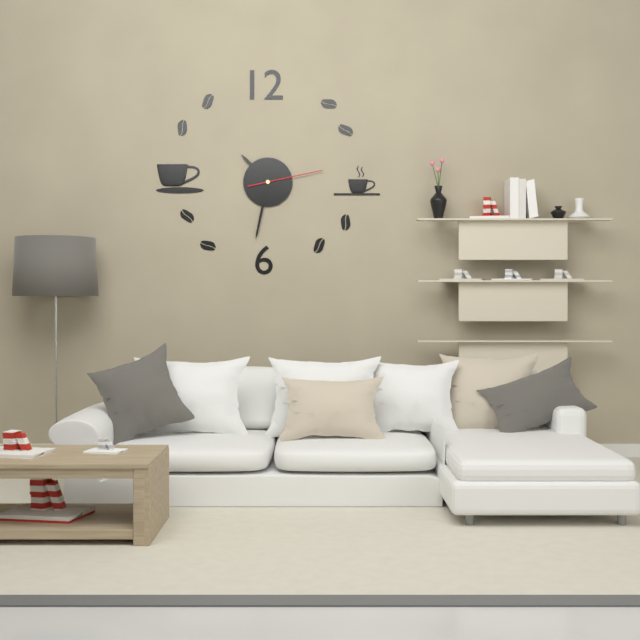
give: {"hour": 10, "minute": 32, "second": 13}
